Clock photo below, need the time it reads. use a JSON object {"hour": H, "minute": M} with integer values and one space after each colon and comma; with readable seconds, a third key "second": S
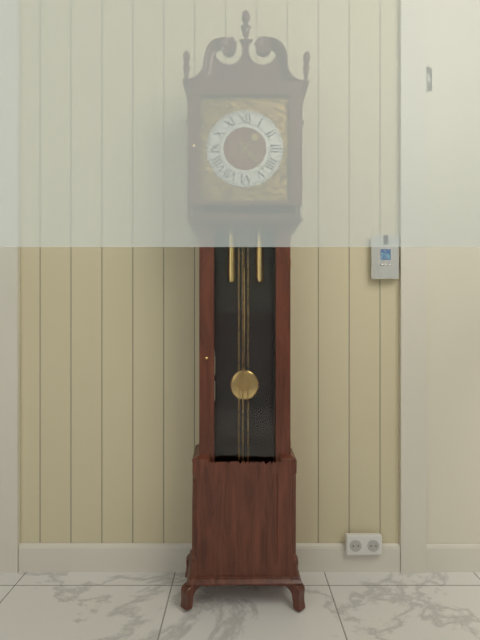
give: {"hour": 1, "minute": 23}
